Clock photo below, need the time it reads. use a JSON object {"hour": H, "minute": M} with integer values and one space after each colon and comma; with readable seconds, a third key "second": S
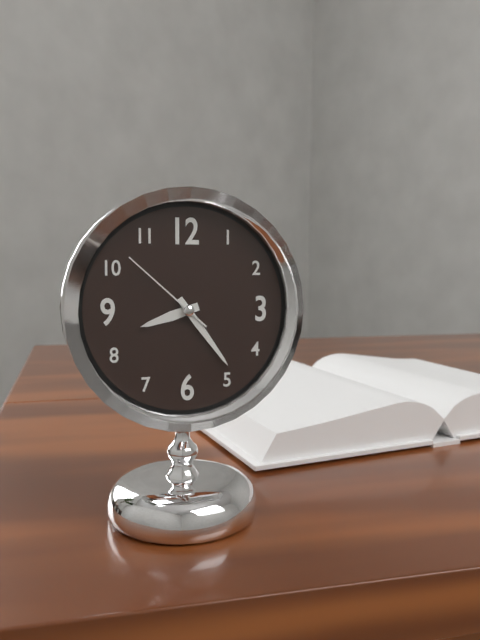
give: {"hour": 8, "minute": 24, "second": 52}
